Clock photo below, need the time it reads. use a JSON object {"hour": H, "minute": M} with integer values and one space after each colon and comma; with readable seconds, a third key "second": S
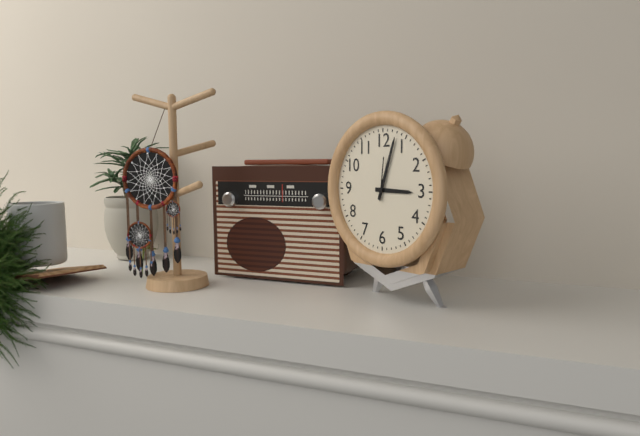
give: {"hour": 3, "minute": 3}
